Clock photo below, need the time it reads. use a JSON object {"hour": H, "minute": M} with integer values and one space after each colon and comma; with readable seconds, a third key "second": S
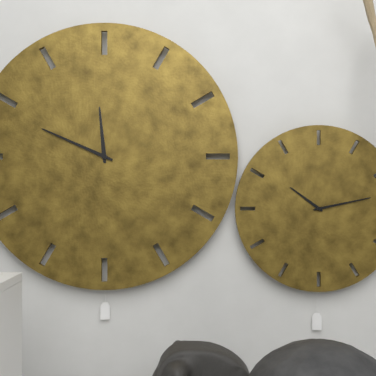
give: {"hour": 11, "minute": 49}
